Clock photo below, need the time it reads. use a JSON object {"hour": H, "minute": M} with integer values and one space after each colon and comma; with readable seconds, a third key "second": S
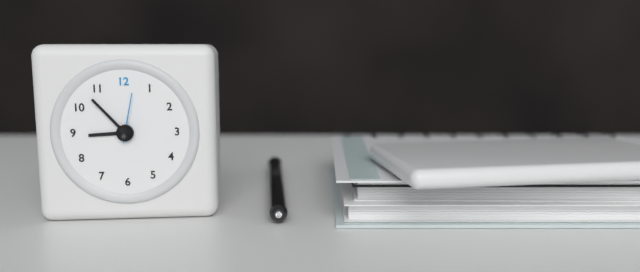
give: {"hour": 8, "minute": 53}
